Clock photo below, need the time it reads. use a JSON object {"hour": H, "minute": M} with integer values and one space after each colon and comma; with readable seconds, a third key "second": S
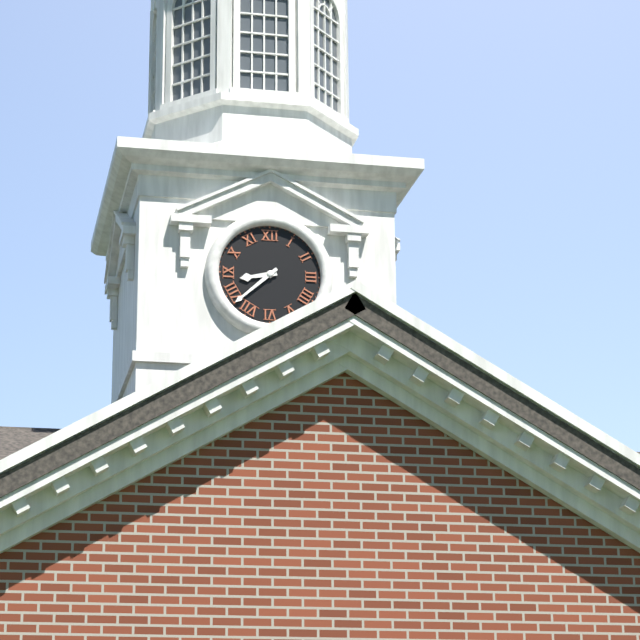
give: {"hour": 8, "minute": 38}
